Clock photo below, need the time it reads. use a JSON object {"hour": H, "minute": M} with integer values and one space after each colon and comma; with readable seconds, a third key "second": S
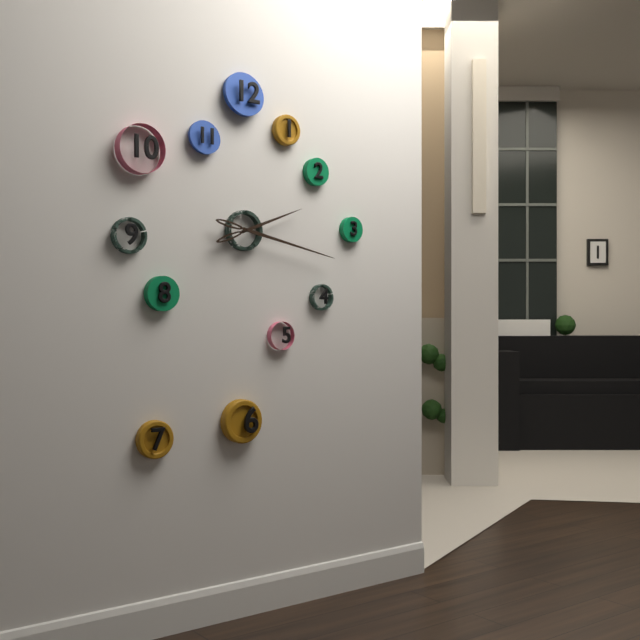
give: {"hour": 2, "minute": 17}
